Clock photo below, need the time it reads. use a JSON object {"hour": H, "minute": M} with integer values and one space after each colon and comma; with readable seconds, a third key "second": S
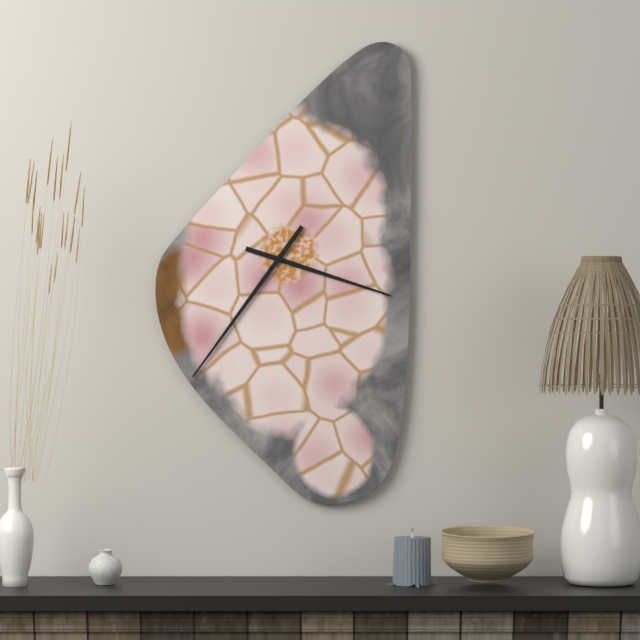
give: {"hour": 3, "minute": 36}
